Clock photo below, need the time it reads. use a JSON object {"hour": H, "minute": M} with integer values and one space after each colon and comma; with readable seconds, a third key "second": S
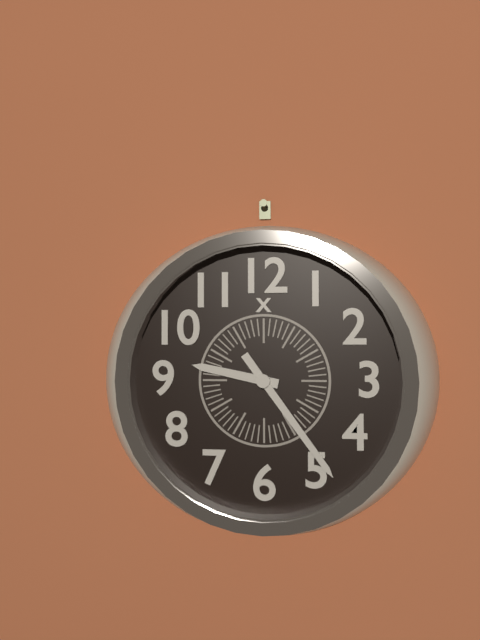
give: {"hour": 9, "minute": 24}
